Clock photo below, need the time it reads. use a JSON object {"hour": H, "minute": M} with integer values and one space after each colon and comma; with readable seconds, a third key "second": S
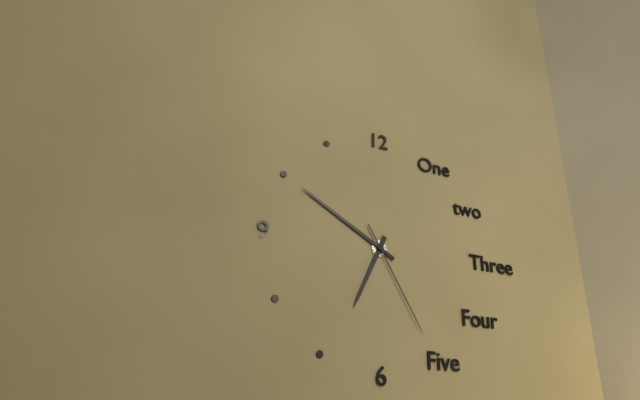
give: {"hour": 6, "minute": 50, "second": 25}
